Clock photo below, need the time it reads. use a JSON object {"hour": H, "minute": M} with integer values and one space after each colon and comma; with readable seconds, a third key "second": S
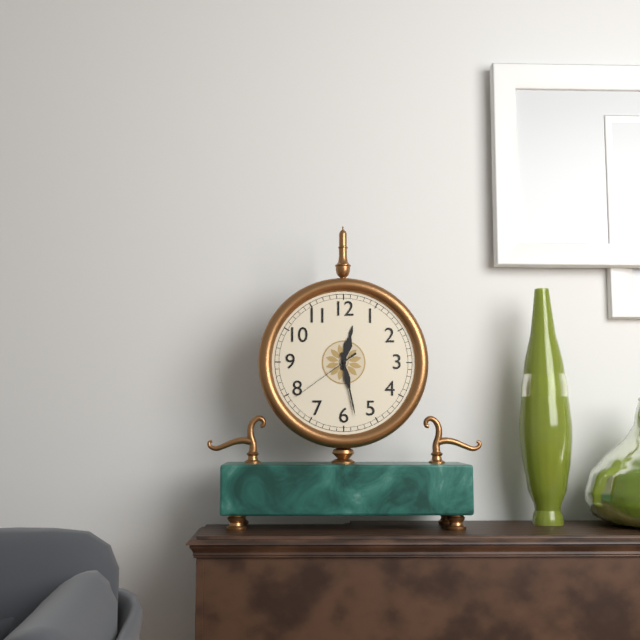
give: {"hour": 12, "minute": 28, "second": 39}
